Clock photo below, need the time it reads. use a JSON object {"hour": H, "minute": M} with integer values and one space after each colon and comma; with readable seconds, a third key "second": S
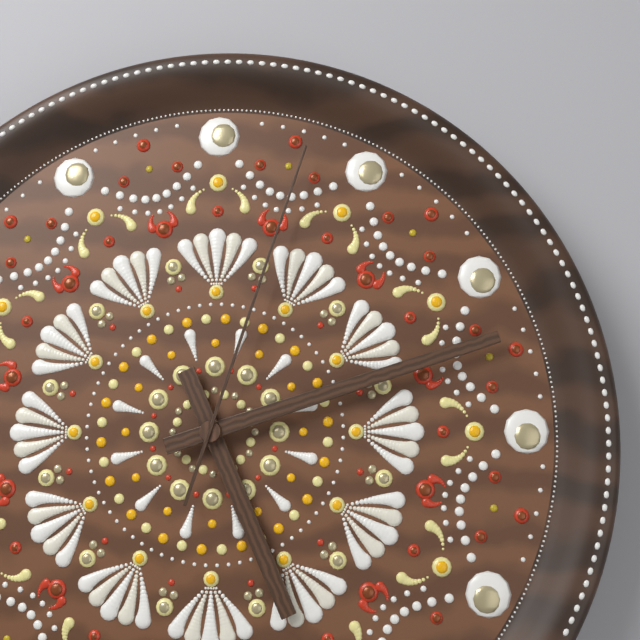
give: {"hour": 5, "minute": 12, "second": 3}
